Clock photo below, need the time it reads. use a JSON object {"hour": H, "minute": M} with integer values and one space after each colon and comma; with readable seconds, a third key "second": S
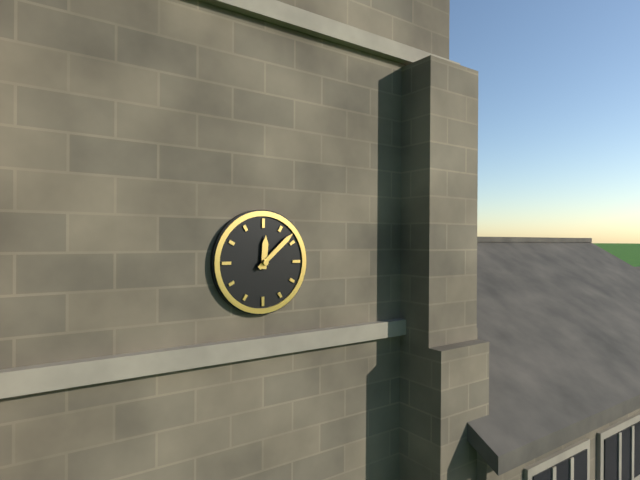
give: {"hour": 12, "minute": 8}
